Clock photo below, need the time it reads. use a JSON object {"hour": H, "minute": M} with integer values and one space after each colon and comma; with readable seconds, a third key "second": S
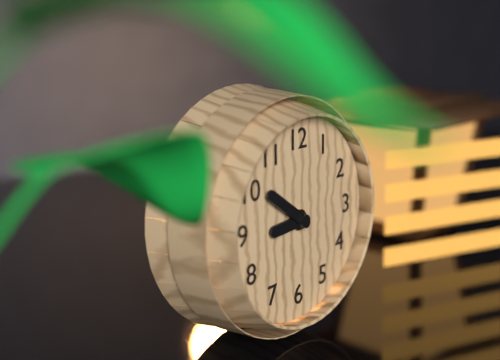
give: {"hour": 8, "minute": 51}
